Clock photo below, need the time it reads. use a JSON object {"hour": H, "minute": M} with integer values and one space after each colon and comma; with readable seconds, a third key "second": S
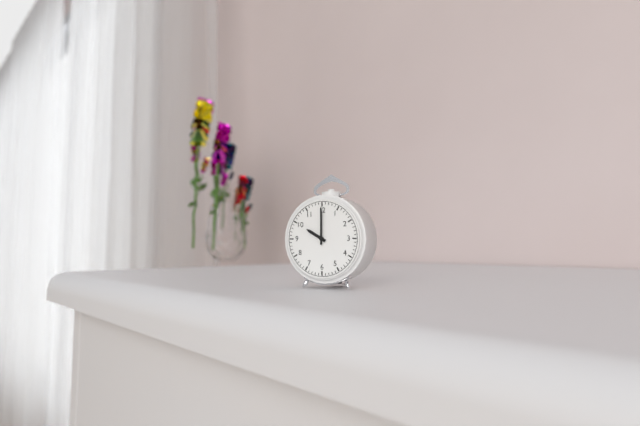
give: {"hour": 10, "minute": 0}
